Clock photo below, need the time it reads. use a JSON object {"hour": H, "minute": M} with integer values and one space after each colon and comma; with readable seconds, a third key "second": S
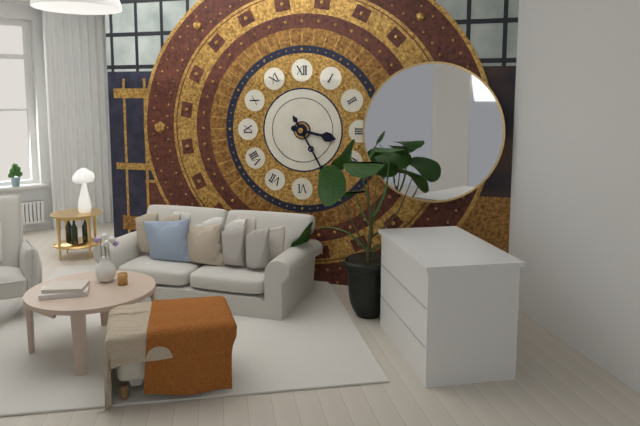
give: {"hour": 3, "minute": 25}
